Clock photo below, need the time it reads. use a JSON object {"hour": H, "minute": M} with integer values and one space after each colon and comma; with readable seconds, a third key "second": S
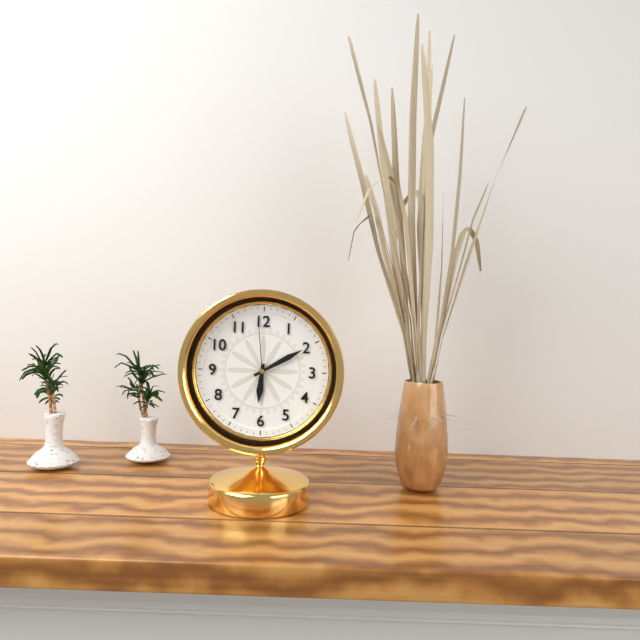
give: {"hour": 6, "minute": 10, "second": 59}
